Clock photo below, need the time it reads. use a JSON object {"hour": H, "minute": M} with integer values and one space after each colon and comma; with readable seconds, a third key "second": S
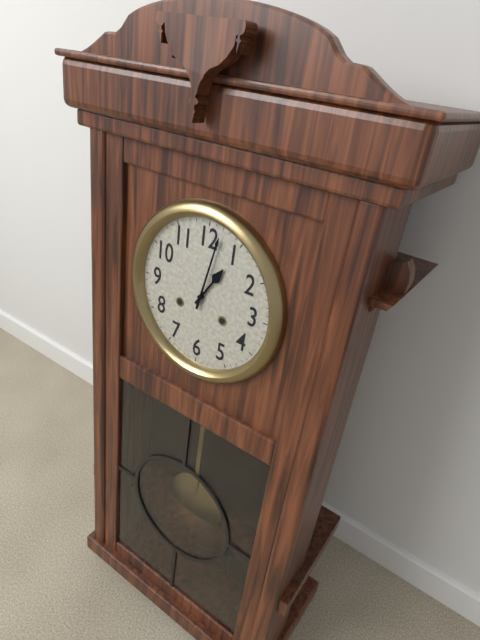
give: {"hour": 1, "minute": 2}
